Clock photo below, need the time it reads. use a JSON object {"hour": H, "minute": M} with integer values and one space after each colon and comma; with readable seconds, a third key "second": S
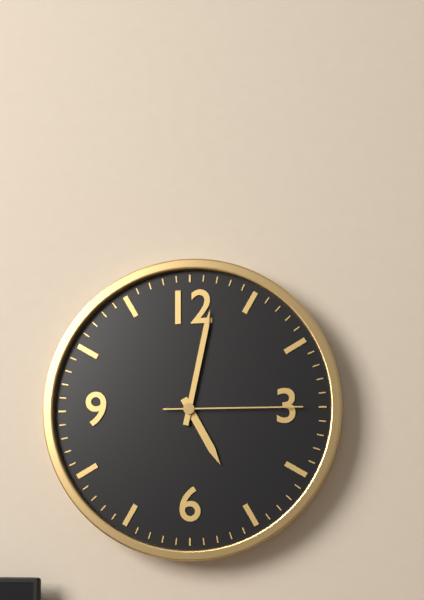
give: {"hour": 5, "minute": 2, "second": 15}
